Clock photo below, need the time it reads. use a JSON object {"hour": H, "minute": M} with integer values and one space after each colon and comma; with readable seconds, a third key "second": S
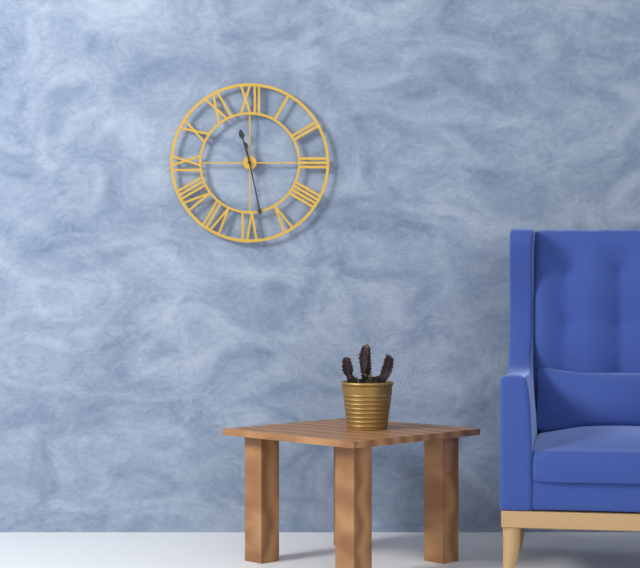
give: {"hour": 11, "minute": 28}
